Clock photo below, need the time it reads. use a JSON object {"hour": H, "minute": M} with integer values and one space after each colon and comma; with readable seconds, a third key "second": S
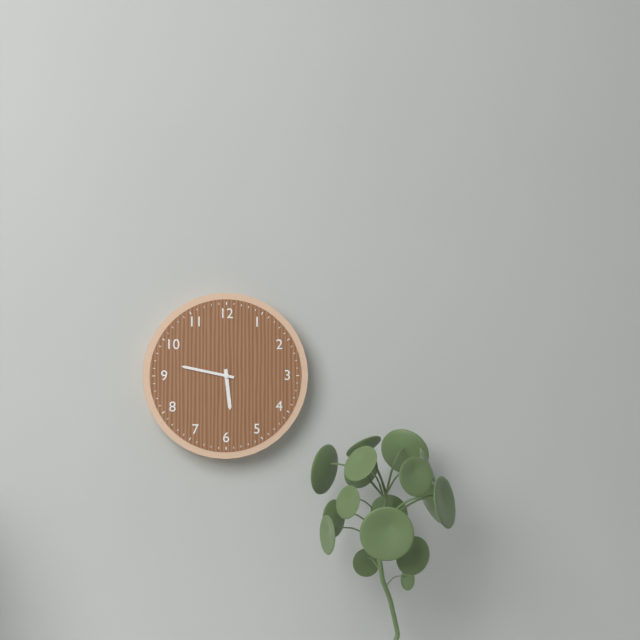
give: {"hour": 5, "minute": 47}
